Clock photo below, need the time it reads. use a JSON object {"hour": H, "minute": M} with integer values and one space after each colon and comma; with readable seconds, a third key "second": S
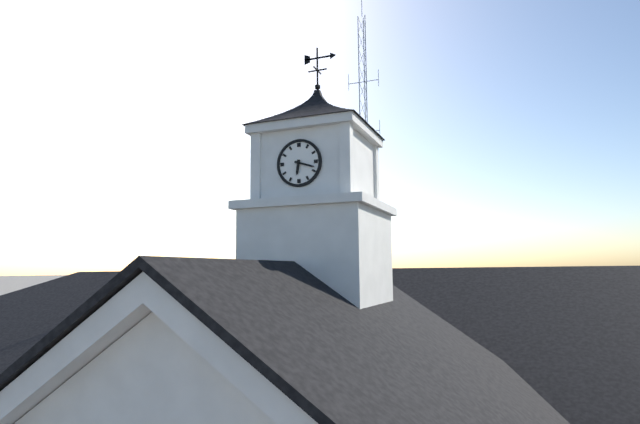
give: {"hour": 6, "minute": 18}
